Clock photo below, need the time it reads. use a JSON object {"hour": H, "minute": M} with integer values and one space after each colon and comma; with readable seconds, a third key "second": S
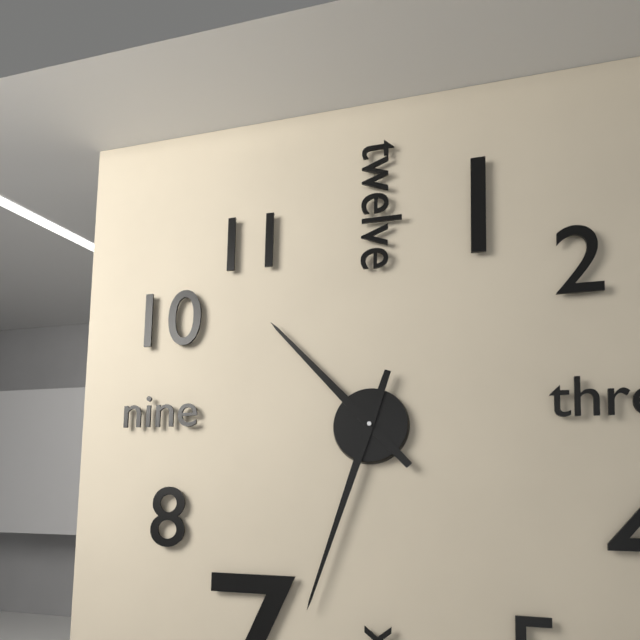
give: {"hour": 10, "minute": 33}
